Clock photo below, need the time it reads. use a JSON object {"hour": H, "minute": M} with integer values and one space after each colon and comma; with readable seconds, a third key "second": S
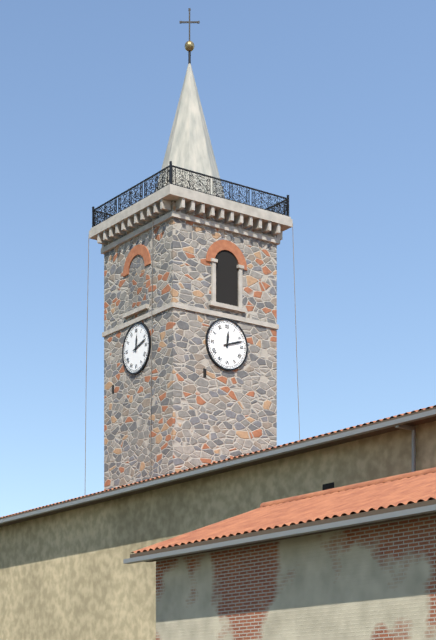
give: {"hour": 12, "minute": 12}
